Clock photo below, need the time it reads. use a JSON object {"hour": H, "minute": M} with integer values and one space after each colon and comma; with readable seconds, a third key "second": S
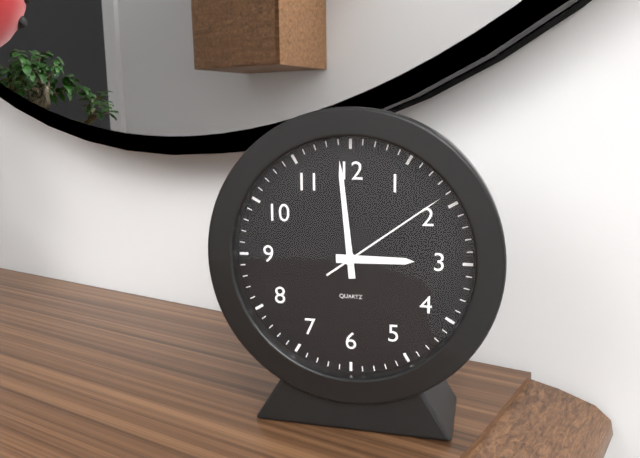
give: {"hour": 2, "minute": 59, "second": 9}
